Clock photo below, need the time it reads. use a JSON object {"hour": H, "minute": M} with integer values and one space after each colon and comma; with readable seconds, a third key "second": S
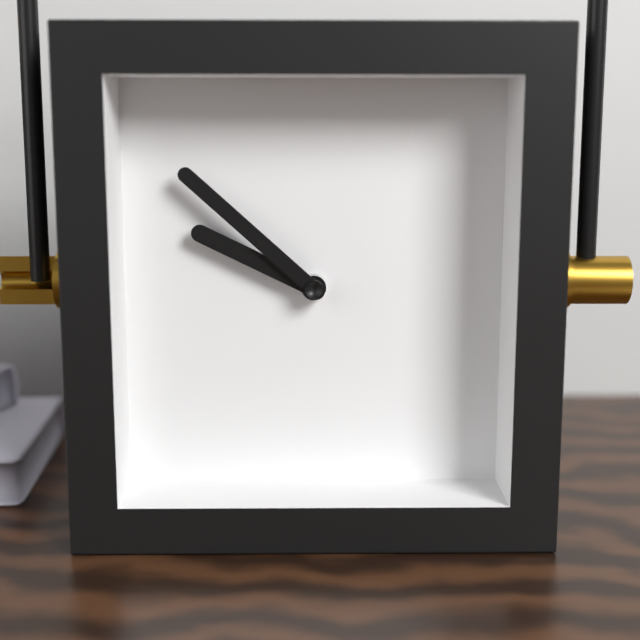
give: {"hour": 9, "minute": 52}
